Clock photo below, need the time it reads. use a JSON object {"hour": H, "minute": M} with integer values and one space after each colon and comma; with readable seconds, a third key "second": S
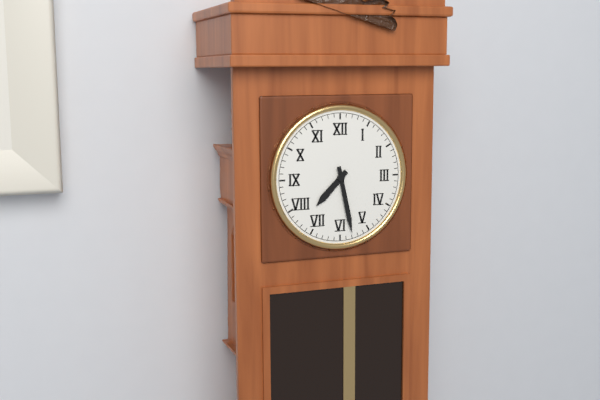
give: {"hour": 7, "minute": 28}
